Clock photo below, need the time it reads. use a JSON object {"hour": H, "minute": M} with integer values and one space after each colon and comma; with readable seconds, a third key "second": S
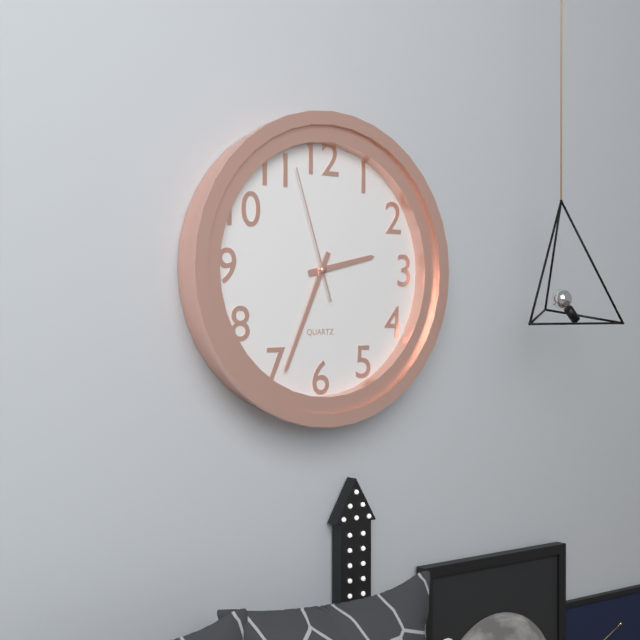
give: {"hour": 2, "minute": 34, "second": 57}
